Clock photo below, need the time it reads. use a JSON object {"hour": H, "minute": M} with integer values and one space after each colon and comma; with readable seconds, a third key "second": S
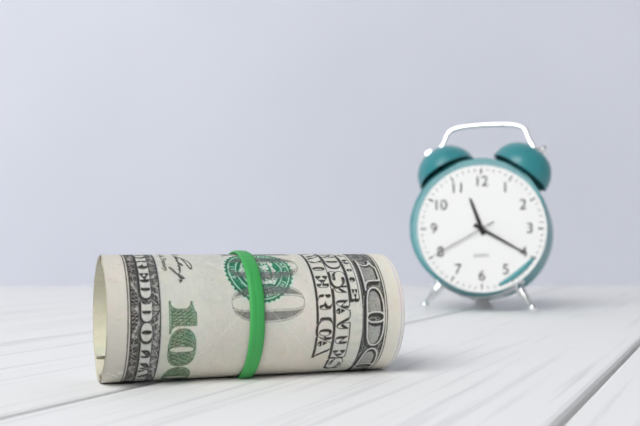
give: {"hour": 11, "minute": 20, "second": 40}
